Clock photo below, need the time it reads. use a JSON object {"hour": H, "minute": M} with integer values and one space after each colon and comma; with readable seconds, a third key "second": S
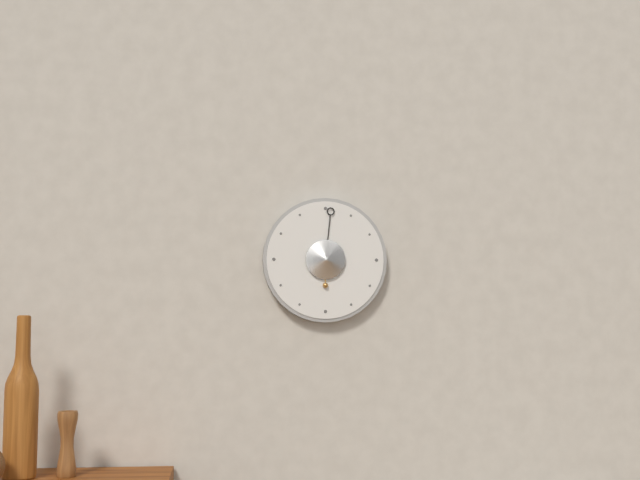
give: {"hour": 6, "minute": 1}
